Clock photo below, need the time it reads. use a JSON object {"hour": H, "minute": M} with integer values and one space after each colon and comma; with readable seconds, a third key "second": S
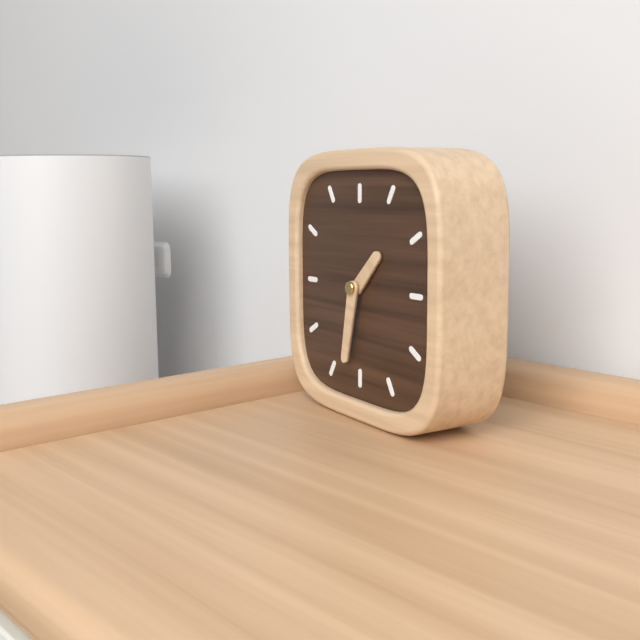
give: {"hour": 1, "minute": 32}
